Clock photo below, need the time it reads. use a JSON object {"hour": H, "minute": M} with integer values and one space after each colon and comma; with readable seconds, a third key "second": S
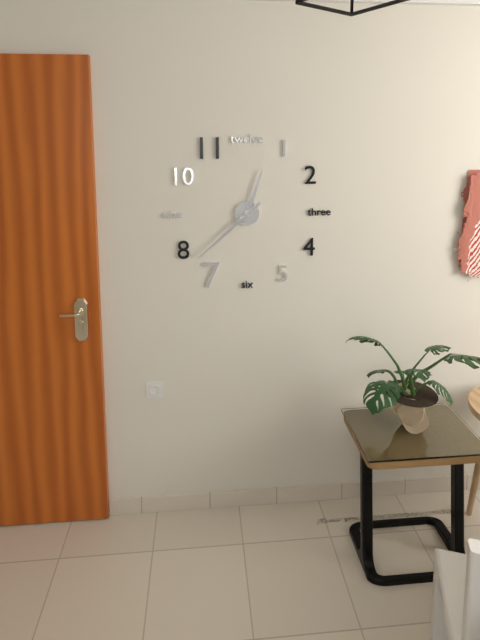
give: {"hour": 12, "minute": 38}
